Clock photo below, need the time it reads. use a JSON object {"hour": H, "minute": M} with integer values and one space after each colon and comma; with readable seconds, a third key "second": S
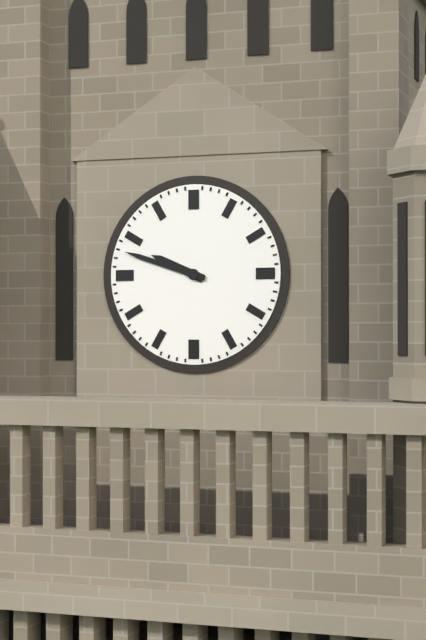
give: {"hour": 9, "minute": 48}
